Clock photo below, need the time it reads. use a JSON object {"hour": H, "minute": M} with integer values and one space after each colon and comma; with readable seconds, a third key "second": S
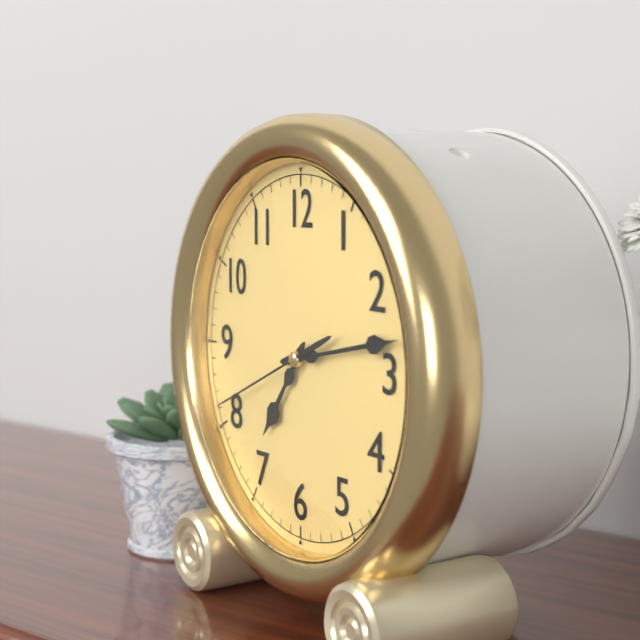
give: {"hour": 7, "minute": 13, "second": 41}
